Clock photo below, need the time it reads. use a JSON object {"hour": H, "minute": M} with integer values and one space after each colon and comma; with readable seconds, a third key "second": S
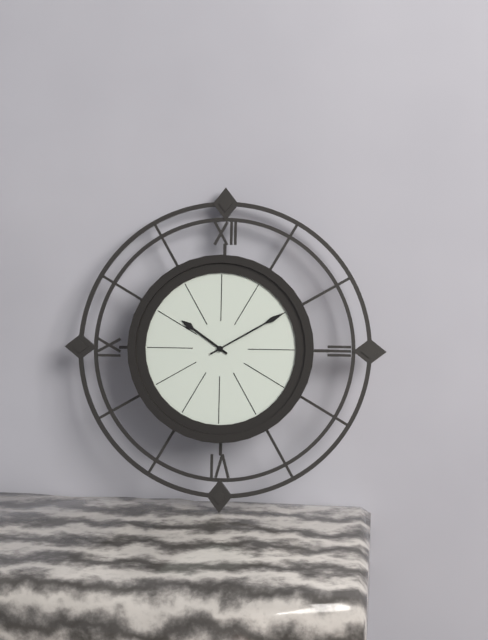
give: {"hour": 10, "minute": 10}
